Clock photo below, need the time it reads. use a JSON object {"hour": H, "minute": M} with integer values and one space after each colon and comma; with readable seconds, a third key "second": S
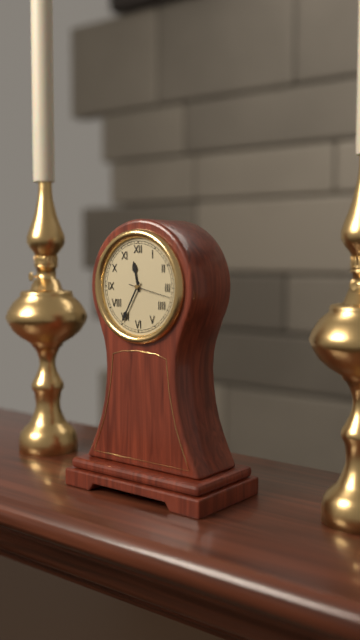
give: {"hour": 11, "minute": 35}
